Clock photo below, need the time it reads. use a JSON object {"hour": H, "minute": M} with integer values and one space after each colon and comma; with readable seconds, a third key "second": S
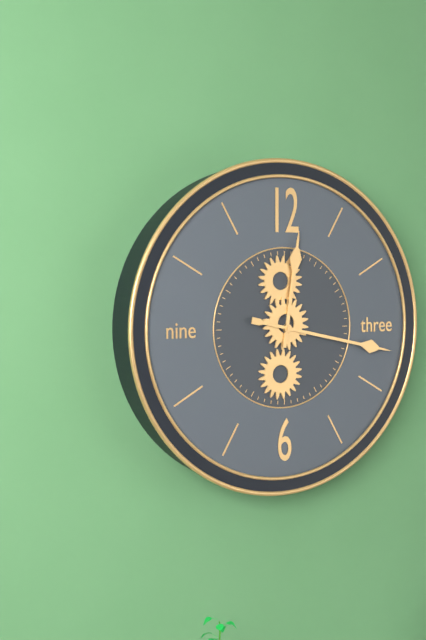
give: {"hour": 12, "minute": 17}
